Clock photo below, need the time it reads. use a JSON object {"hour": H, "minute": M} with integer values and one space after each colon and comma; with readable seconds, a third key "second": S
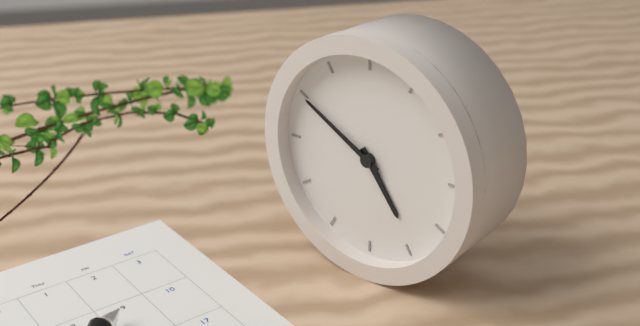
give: {"hour": 4, "minute": 50}
